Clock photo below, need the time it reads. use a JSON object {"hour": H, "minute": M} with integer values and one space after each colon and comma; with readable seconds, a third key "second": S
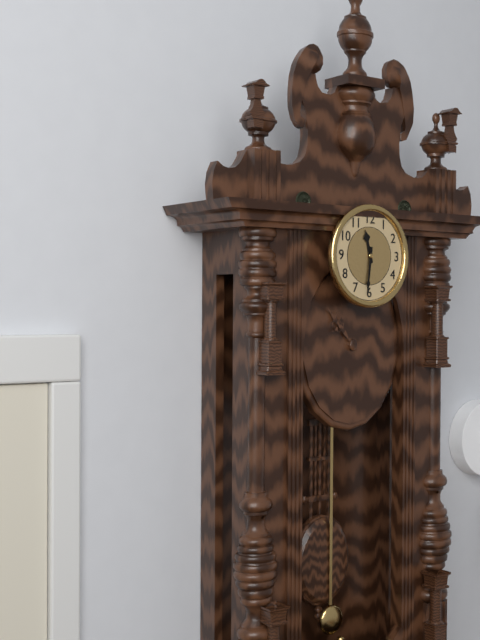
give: {"hour": 11, "minute": 31}
